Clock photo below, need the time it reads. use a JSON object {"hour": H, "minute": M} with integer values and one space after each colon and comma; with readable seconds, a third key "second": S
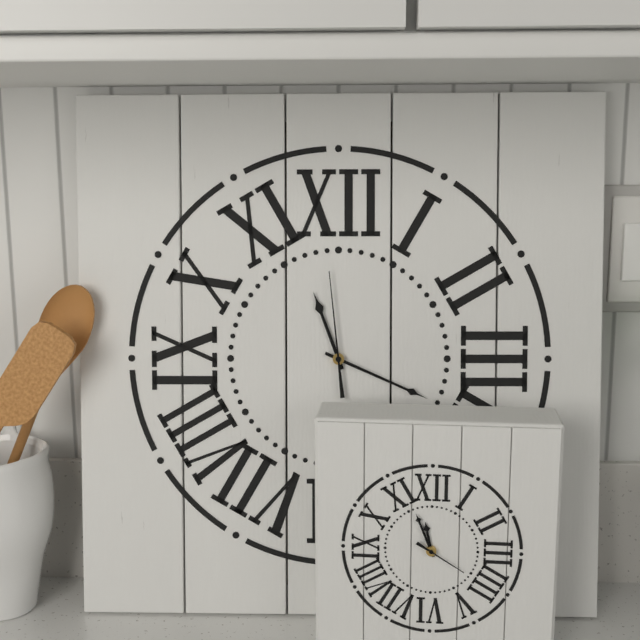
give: {"hour": 11, "minute": 19, "second": 59}
